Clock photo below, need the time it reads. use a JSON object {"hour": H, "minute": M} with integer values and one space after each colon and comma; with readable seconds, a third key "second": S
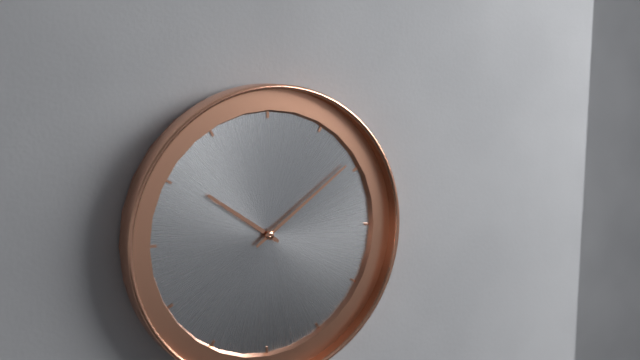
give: {"hour": 10, "minute": 9}
